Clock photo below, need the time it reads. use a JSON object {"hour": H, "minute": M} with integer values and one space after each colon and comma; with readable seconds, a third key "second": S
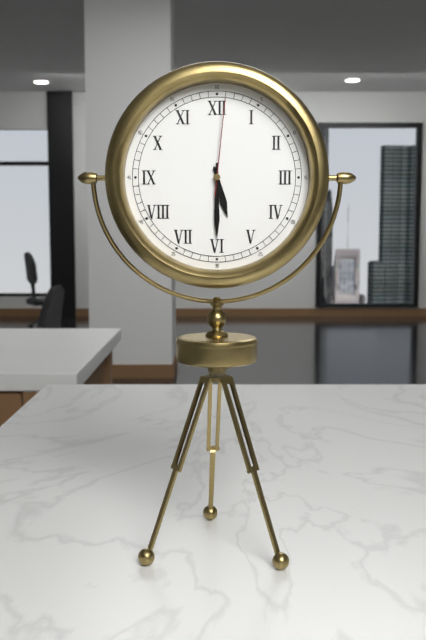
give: {"hour": 5, "minute": 30, "second": 1}
